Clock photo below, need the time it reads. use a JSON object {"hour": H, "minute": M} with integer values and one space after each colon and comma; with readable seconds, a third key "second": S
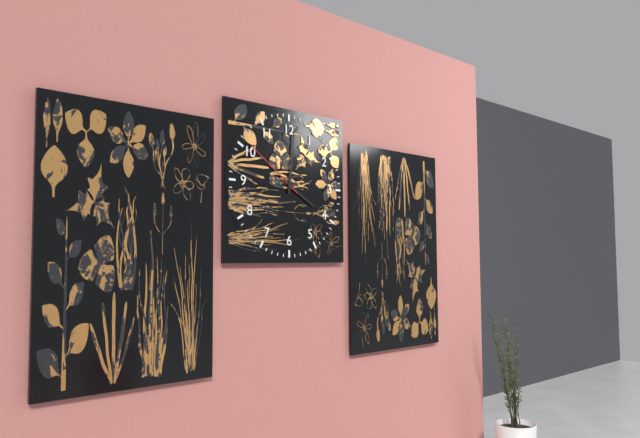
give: {"hour": 4, "minute": 1, "second": 51}
